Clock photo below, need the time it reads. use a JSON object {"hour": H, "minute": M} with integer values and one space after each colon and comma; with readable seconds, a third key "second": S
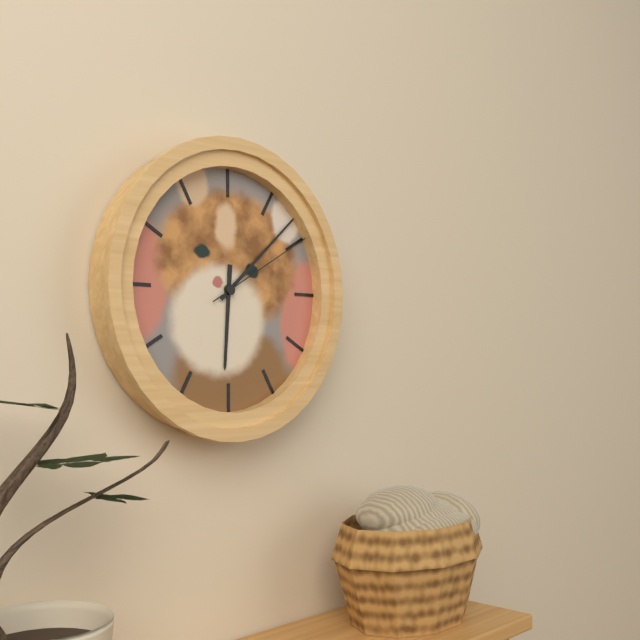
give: {"hour": 6, "minute": 8, "second": 10}
